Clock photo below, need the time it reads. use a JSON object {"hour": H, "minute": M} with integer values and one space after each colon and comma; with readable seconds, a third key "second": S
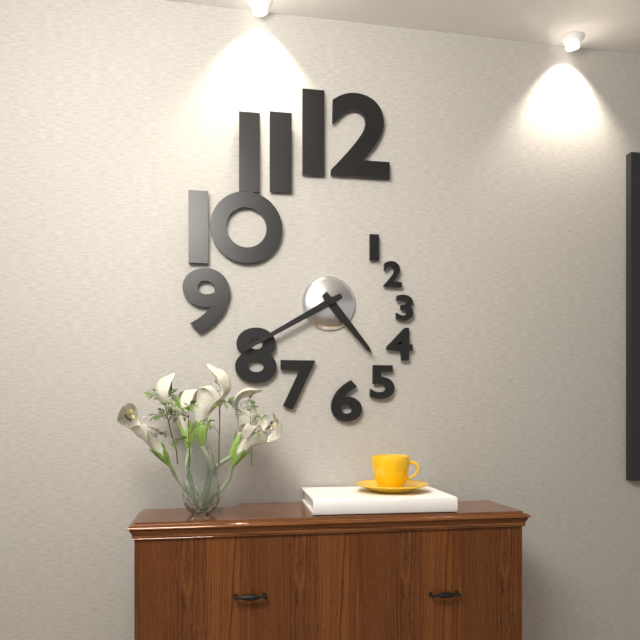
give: {"hour": 4, "minute": 40}
